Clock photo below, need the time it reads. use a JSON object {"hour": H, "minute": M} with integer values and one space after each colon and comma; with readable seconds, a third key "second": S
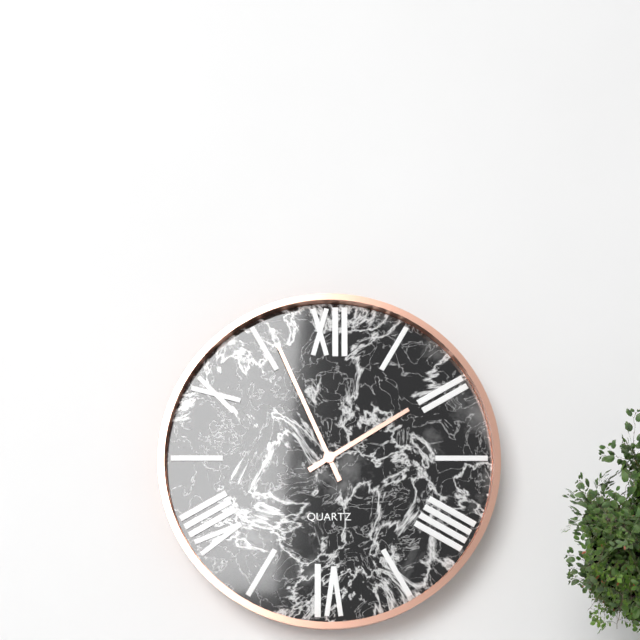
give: {"hour": 1, "minute": 56}
